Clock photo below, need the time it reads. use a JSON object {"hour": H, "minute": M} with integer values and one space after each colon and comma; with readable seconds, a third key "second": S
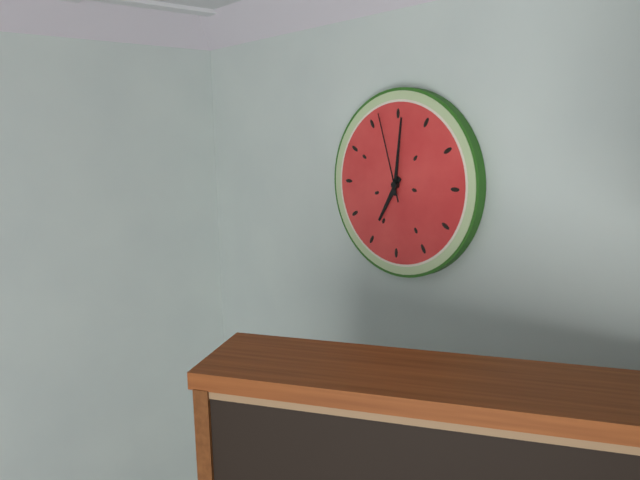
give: {"hour": 7, "minute": 1, "second": 57}
